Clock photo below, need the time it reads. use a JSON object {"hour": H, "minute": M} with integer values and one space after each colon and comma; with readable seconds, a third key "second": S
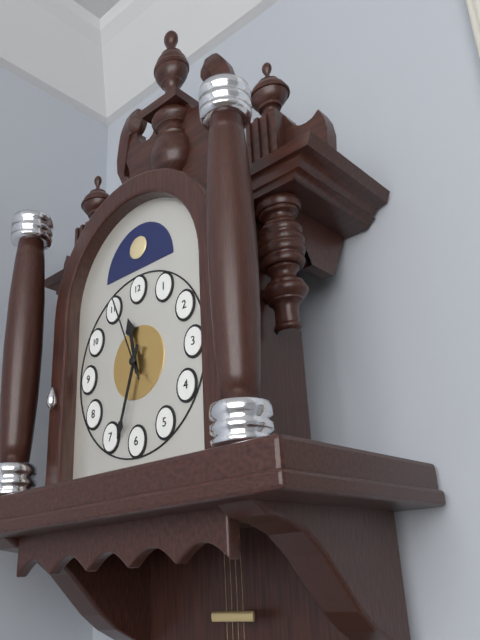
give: {"hour": 11, "minute": 33, "second": 56}
